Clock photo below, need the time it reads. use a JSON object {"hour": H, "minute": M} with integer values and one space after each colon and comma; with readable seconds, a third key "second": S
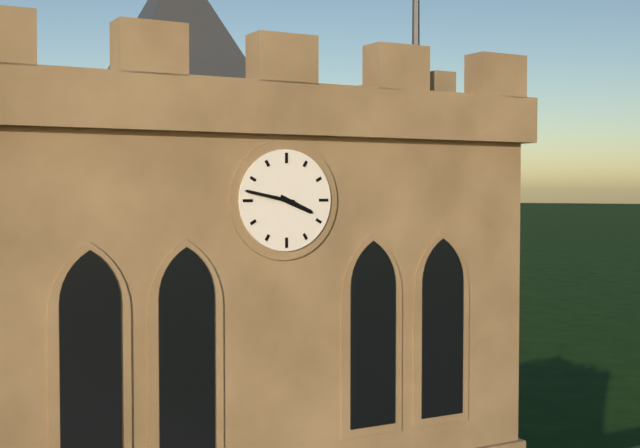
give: {"hour": 3, "minute": 47}
